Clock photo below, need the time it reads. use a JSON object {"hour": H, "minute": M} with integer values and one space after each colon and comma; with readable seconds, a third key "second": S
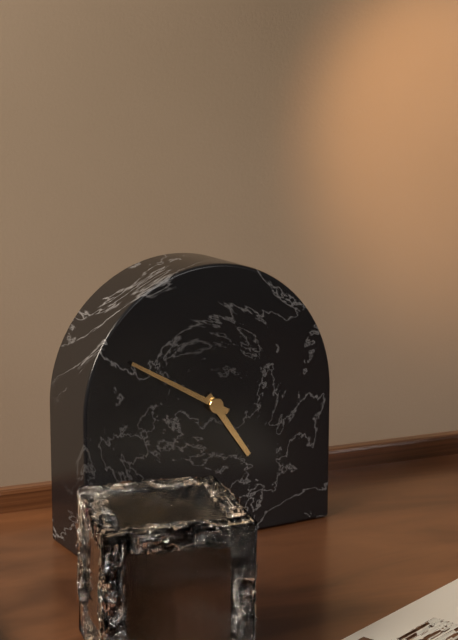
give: {"hour": 4, "minute": 50}
